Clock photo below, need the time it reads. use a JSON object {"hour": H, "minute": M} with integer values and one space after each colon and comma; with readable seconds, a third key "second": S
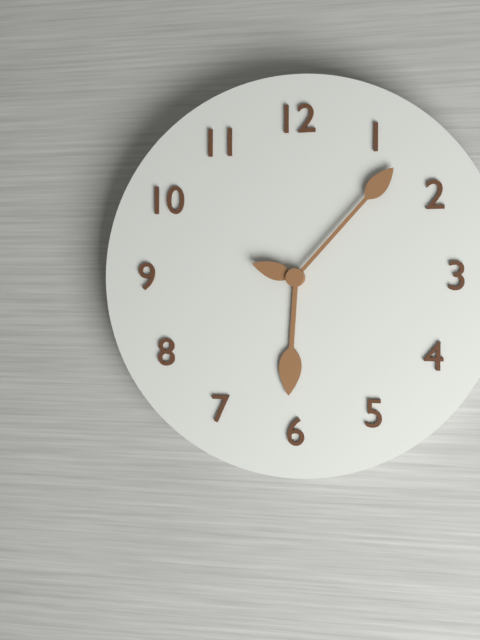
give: {"hour": 6, "minute": 7, "second": 48}
